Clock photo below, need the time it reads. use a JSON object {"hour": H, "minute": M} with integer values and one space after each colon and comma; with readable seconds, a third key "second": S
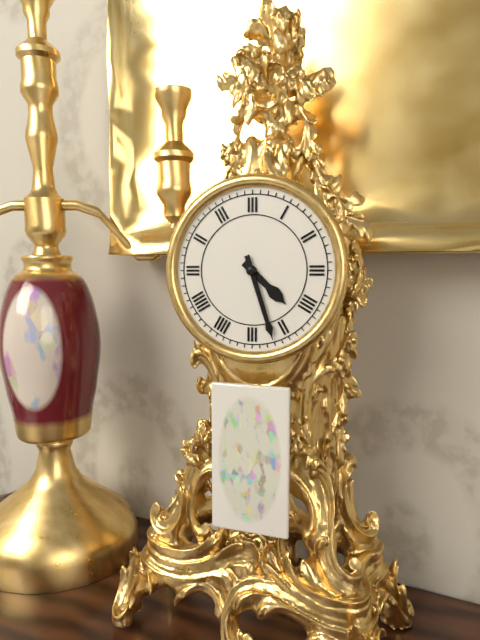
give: {"hour": 4, "minute": 27}
